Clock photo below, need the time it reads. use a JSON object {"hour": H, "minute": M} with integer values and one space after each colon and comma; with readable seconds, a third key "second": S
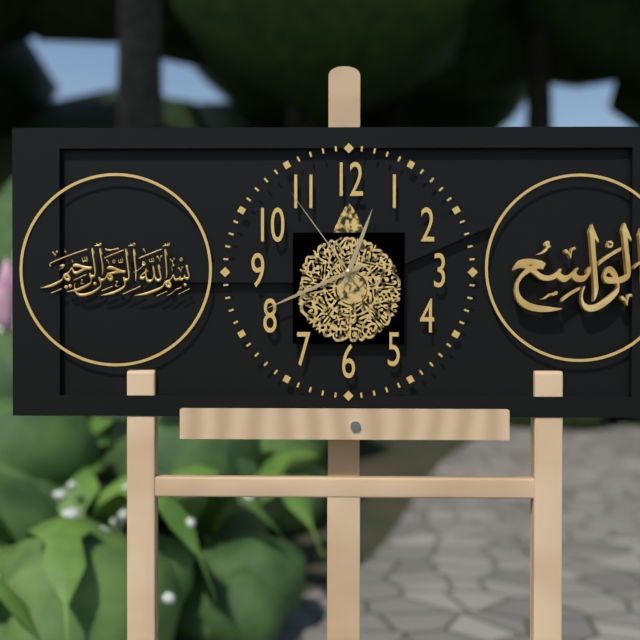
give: {"hour": 12, "minute": 41, "second": 54}
